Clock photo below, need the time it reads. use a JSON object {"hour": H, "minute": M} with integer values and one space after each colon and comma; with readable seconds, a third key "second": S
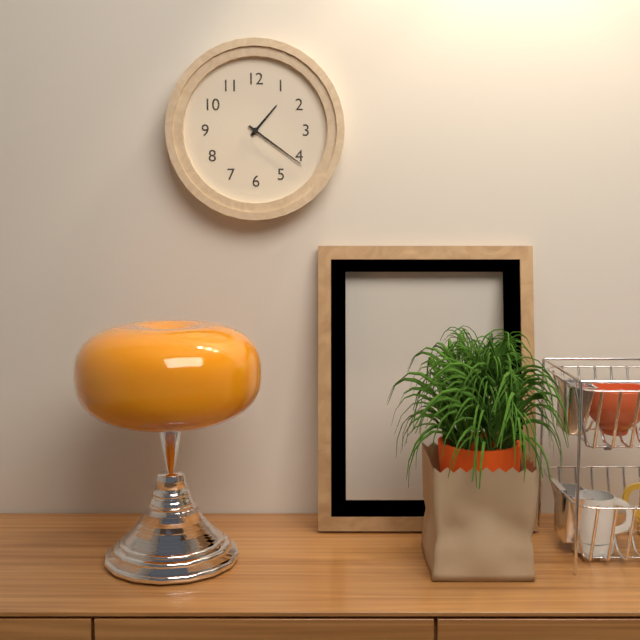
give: {"hour": 1, "minute": 21}
